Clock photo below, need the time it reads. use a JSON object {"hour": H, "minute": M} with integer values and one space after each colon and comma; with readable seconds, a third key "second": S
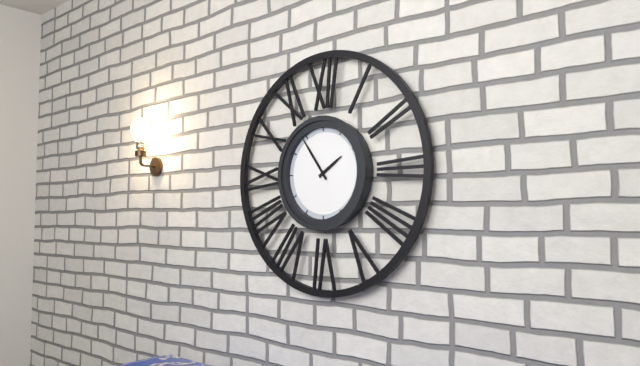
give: {"hour": 1, "minute": 54}
